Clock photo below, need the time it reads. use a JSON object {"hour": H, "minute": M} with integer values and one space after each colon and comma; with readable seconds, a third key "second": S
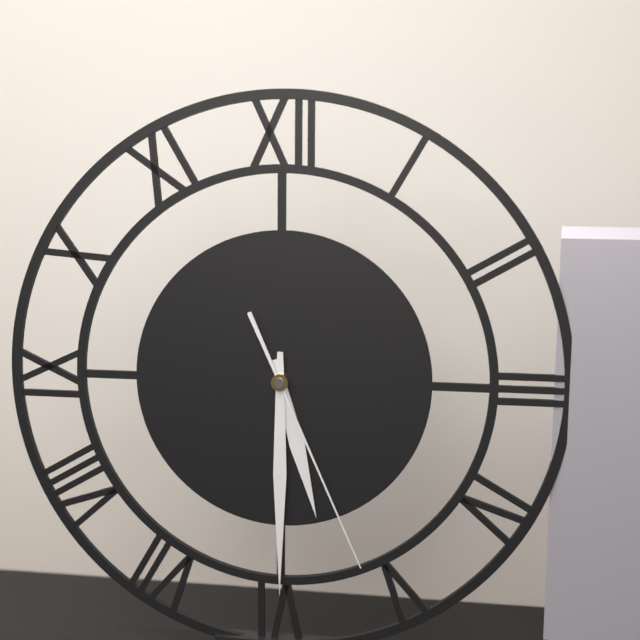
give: {"hour": 5, "minute": 30, "second": 26}
